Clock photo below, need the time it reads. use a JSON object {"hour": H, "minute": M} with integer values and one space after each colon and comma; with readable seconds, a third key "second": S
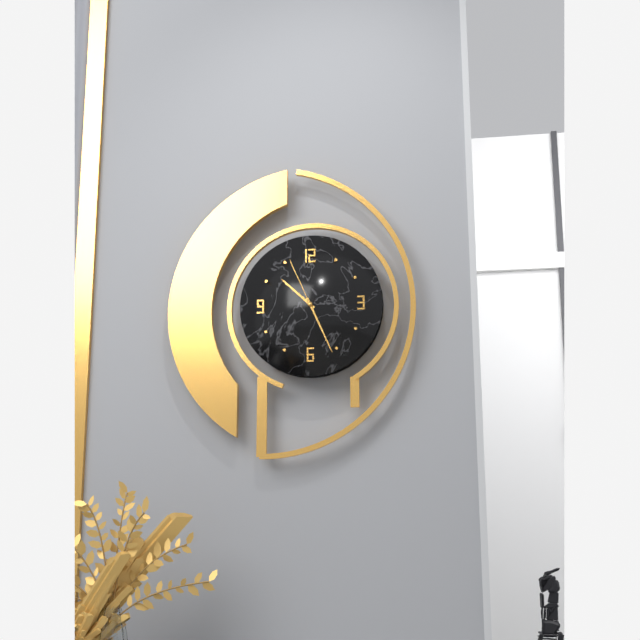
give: {"hour": 10, "minute": 26, "second": 56}
